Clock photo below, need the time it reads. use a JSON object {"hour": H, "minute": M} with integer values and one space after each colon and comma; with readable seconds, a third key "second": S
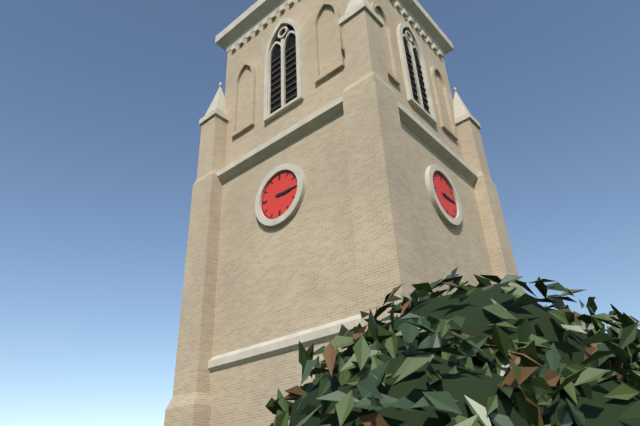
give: {"hour": 3, "minute": 15}
